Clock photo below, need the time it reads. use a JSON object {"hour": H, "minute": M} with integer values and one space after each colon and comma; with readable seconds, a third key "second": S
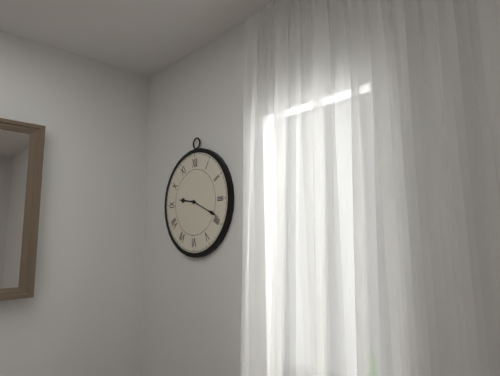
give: {"hour": 9, "minute": 19}
